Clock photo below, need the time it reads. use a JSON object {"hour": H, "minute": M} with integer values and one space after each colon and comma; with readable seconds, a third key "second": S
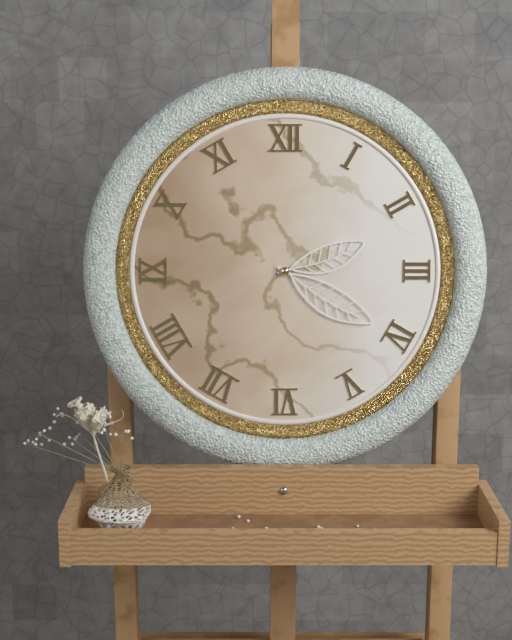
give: {"hour": 2, "minute": 20}
